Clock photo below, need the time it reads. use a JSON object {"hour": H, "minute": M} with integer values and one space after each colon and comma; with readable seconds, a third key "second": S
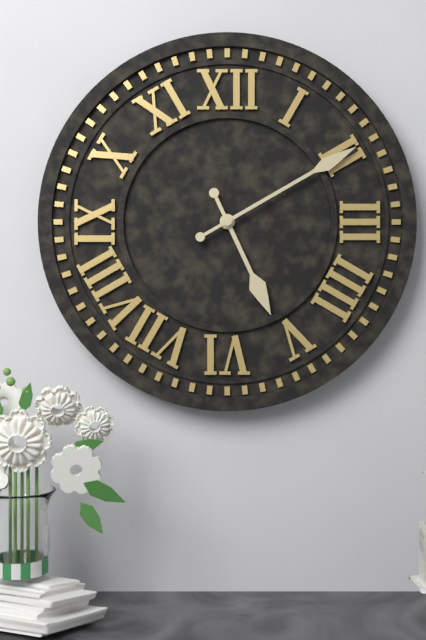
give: {"hour": 5, "minute": 10}
